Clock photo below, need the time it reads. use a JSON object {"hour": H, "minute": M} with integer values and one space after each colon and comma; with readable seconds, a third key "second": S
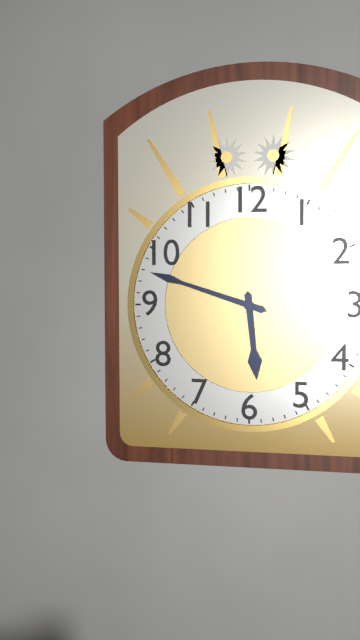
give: {"hour": 5, "minute": 48}
